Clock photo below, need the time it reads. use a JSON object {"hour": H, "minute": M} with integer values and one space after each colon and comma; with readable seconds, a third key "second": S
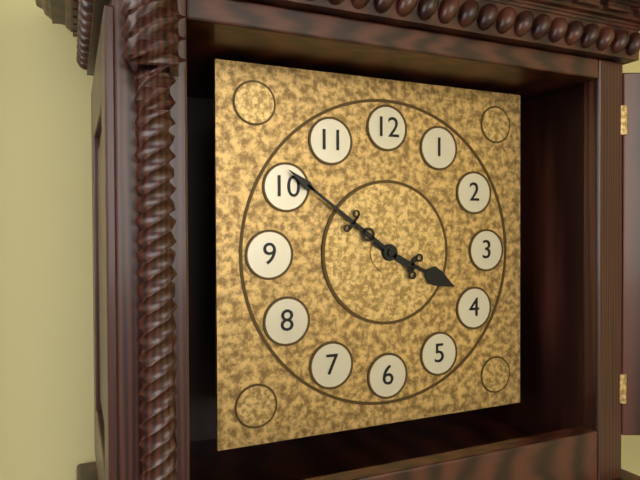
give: {"hour": 3, "minute": 51}
